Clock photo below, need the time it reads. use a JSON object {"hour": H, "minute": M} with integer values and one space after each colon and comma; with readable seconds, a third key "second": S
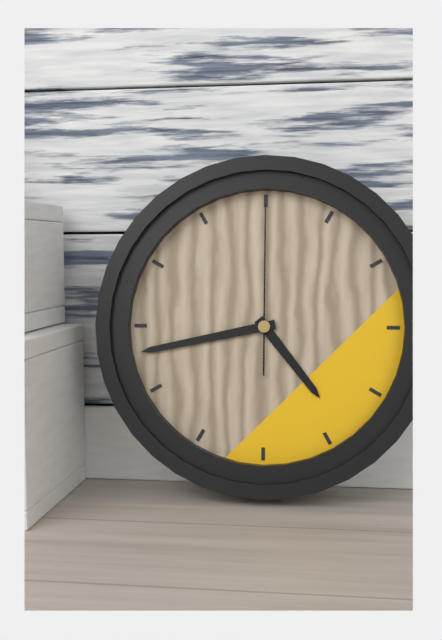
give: {"hour": 4, "minute": 43, "second": 0}
